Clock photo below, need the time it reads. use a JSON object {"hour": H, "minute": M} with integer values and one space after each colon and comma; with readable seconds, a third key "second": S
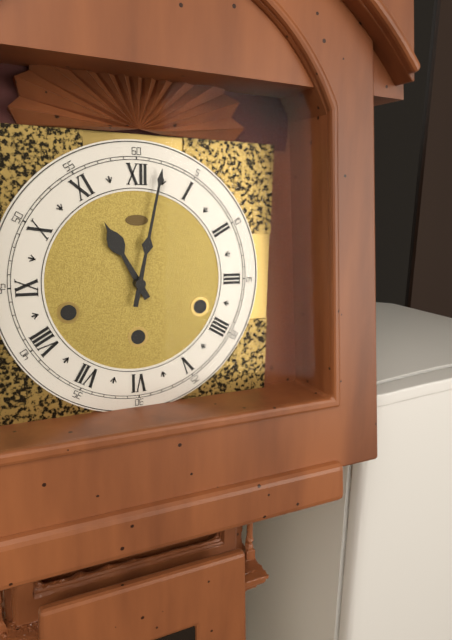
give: {"hour": 11, "minute": 2}
